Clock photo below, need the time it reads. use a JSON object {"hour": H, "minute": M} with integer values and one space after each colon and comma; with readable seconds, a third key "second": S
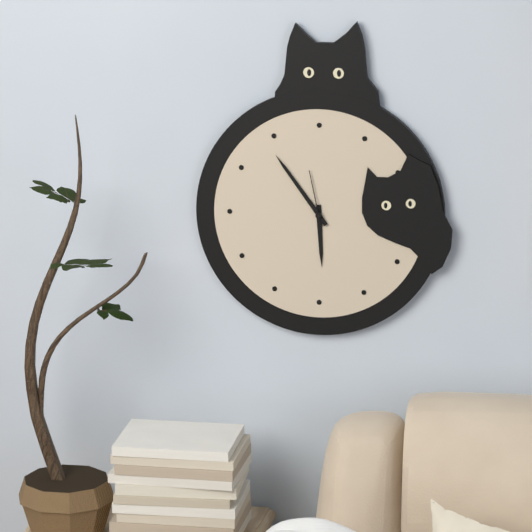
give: {"hour": 5, "minute": 54, "second": 58}
